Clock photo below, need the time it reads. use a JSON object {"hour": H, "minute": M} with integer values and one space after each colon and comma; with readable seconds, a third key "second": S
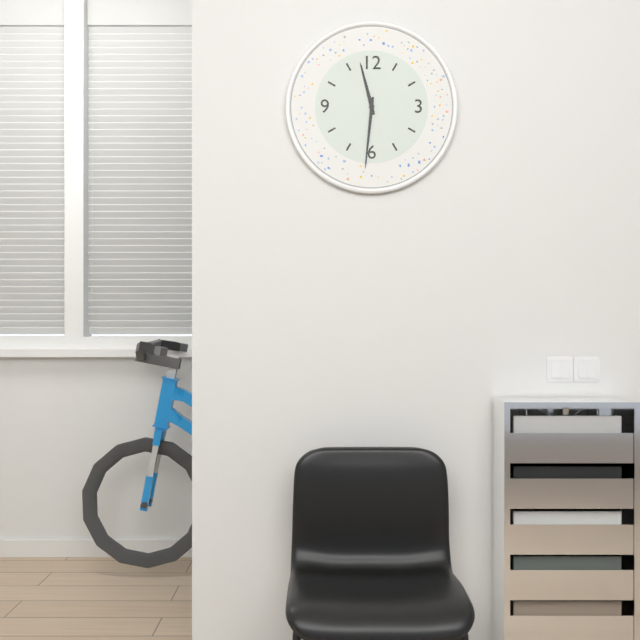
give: {"hour": 11, "minute": 31}
